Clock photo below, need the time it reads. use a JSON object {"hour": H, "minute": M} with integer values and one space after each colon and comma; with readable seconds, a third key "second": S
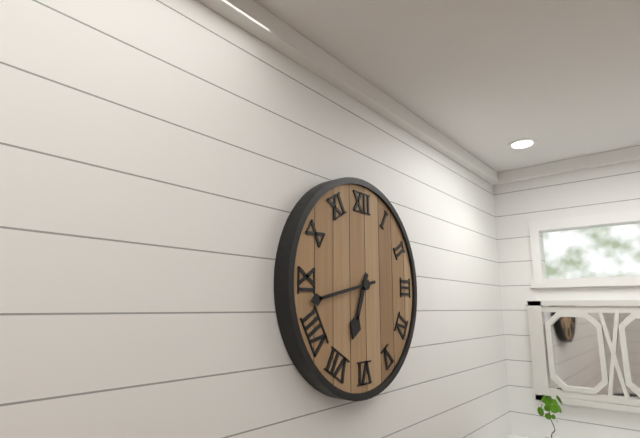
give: {"hour": 6, "minute": 43}
